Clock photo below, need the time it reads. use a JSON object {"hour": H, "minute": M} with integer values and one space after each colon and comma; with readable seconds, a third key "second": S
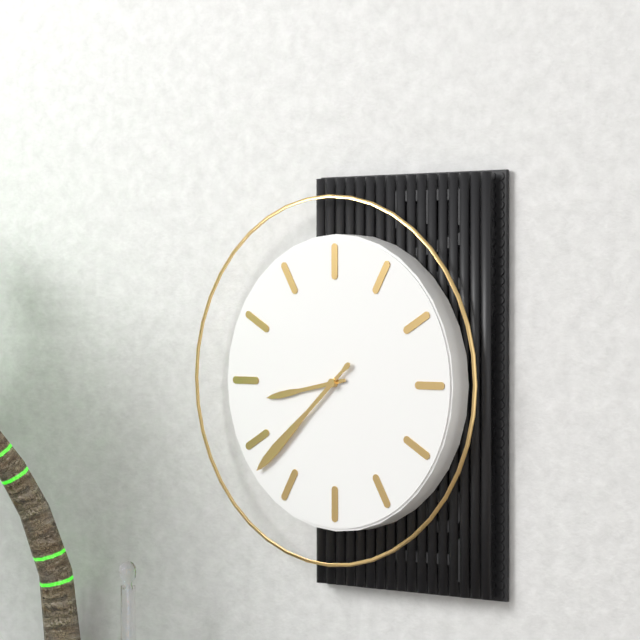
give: {"hour": 8, "minute": 38}
